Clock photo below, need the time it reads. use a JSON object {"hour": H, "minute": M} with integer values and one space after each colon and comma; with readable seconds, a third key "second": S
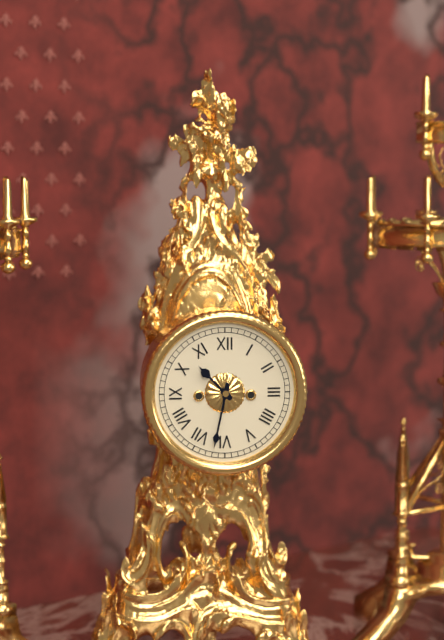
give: {"hour": 10, "minute": 32}
